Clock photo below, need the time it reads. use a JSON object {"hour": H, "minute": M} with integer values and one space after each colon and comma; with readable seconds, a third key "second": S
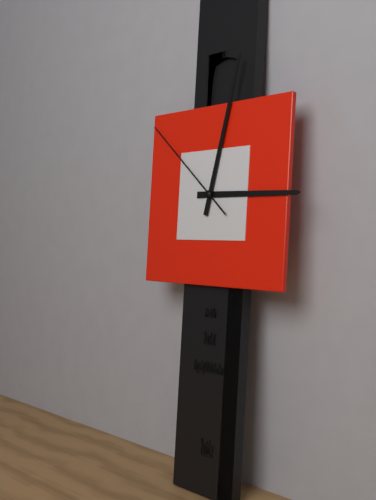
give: {"hour": 3, "minute": 2, "second": 52}
